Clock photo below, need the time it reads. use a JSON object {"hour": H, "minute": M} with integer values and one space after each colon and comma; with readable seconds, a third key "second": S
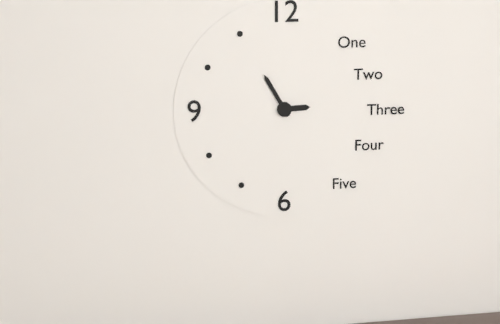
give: {"hour": 2, "minute": 55}
